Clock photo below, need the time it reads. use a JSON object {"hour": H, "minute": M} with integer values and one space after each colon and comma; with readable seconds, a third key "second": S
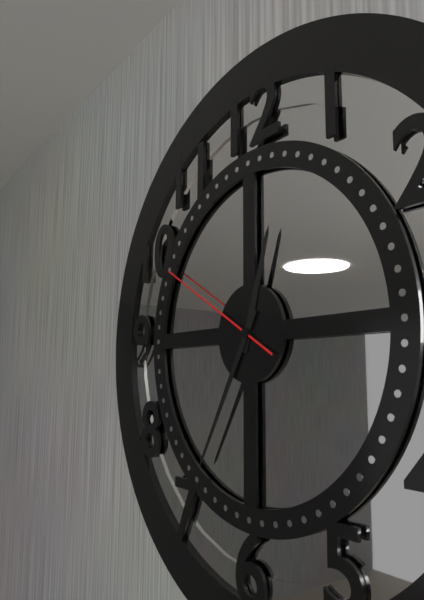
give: {"hour": 12, "minute": 35, "second": 50}
